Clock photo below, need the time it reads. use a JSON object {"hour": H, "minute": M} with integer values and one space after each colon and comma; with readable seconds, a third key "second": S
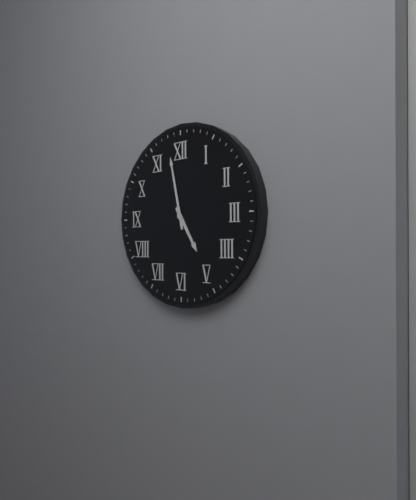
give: {"hour": 4, "minute": 58}
